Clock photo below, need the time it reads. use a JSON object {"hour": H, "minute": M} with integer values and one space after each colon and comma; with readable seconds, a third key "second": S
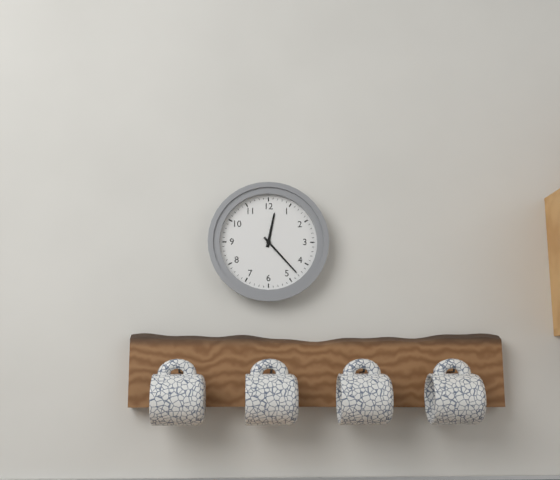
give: {"hour": 12, "minute": 23}
